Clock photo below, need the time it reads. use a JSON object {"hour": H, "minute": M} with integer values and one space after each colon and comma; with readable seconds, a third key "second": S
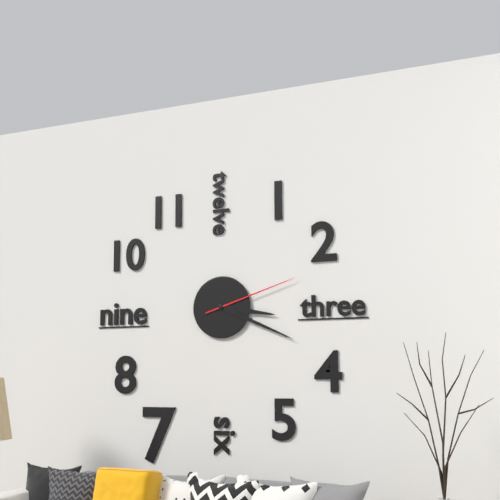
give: {"hour": 3, "minute": 19, "second": 12}
